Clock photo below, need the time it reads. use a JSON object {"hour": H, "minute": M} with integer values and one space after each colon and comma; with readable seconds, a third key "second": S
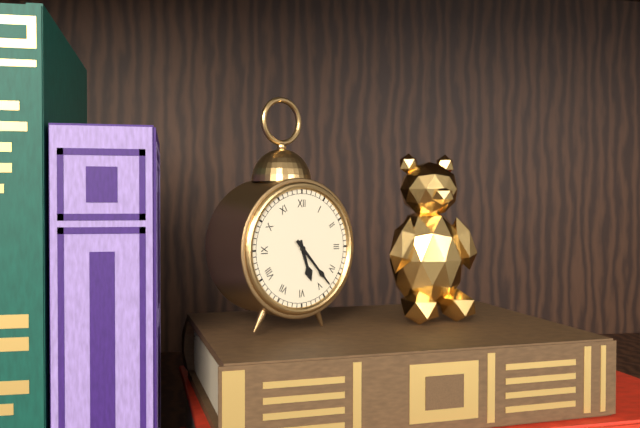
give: {"hour": 5, "minute": 23}
